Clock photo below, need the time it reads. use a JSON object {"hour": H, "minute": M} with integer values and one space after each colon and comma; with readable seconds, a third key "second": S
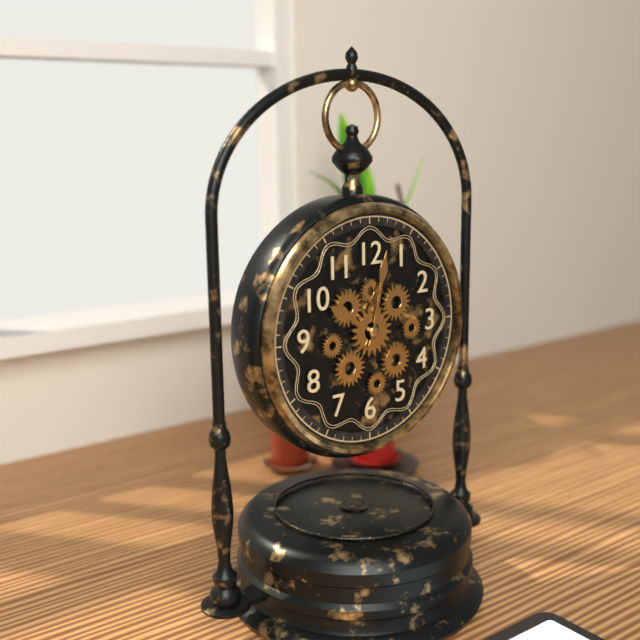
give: {"hour": 10, "minute": 2}
